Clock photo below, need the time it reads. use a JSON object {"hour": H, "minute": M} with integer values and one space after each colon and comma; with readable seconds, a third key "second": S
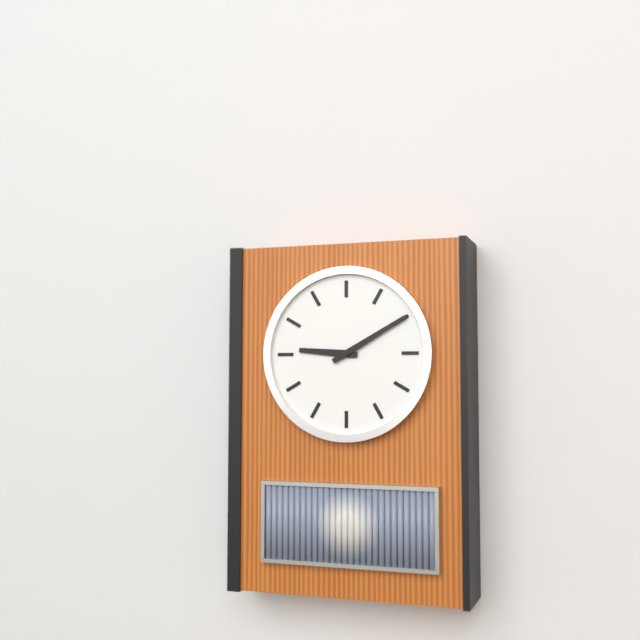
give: {"hour": 9, "minute": 10}
